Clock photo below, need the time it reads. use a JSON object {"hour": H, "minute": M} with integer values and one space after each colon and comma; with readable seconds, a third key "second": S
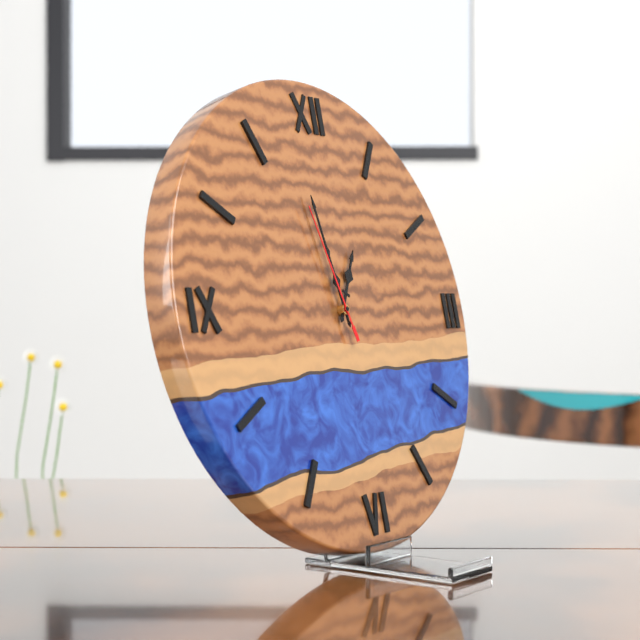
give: {"hour": 12, "minute": 58, "second": 57}
